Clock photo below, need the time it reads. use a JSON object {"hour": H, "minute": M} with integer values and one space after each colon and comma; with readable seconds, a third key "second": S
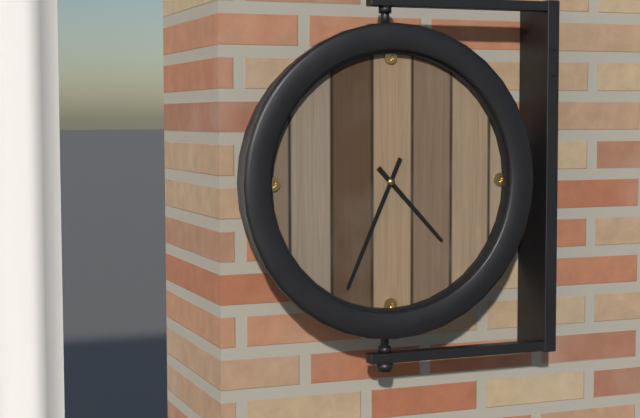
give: {"hour": 4, "minute": 34}
